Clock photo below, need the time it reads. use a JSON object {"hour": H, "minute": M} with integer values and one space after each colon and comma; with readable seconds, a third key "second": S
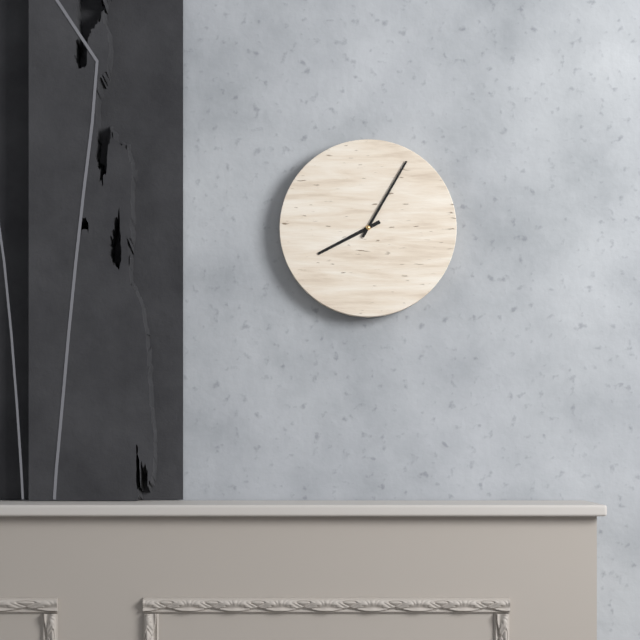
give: {"hour": 8, "minute": 5}
